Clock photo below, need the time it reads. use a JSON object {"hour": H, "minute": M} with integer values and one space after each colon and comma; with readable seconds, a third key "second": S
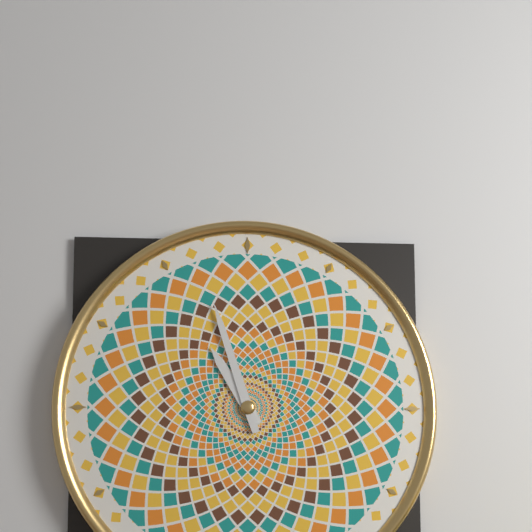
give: {"hour": 10, "minute": 57}
